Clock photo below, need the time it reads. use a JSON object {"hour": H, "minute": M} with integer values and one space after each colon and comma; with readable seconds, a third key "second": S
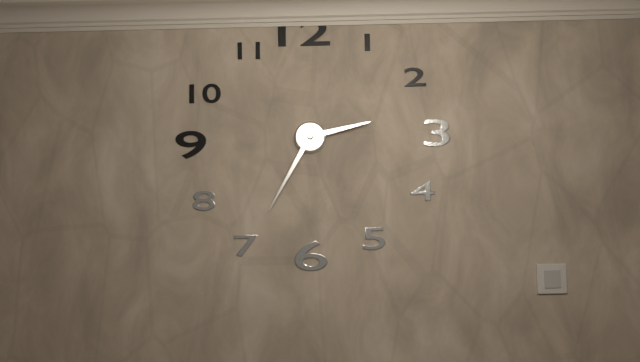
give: {"hour": 2, "minute": 35}
